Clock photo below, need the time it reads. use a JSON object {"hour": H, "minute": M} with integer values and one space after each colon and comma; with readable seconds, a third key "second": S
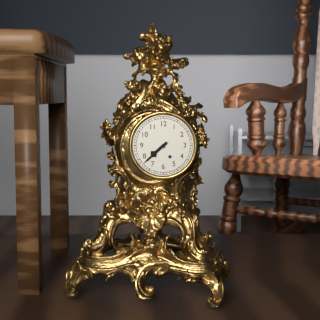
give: {"hour": 7, "minute": 38}
